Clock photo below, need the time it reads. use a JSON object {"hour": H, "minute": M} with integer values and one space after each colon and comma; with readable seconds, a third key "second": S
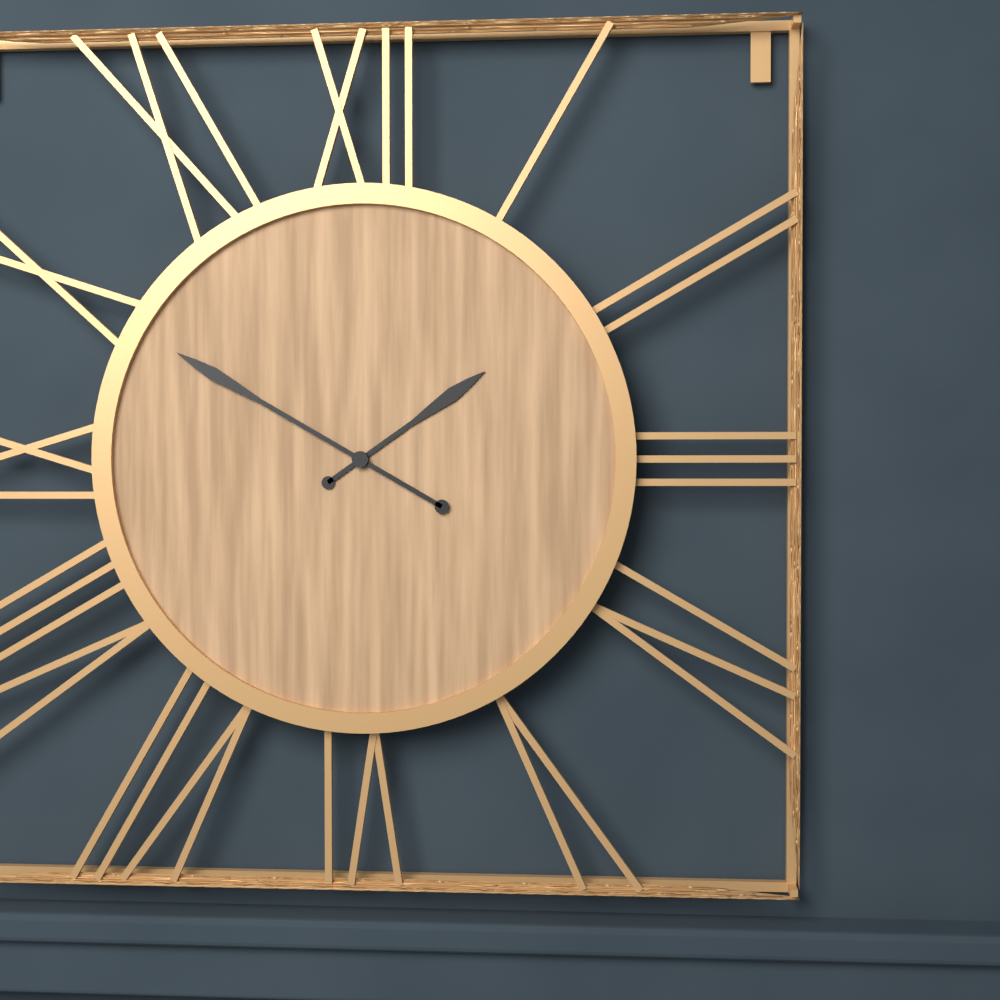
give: {"hour": 1, "minute": 50}
